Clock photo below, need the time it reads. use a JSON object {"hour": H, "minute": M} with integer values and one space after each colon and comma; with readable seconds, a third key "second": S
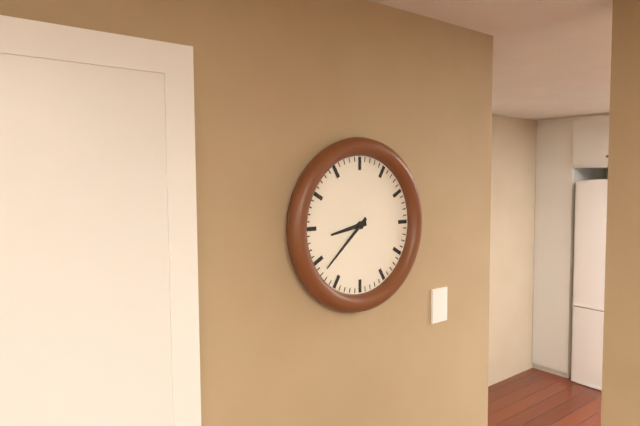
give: {"hour": 8, "minute": 38}
